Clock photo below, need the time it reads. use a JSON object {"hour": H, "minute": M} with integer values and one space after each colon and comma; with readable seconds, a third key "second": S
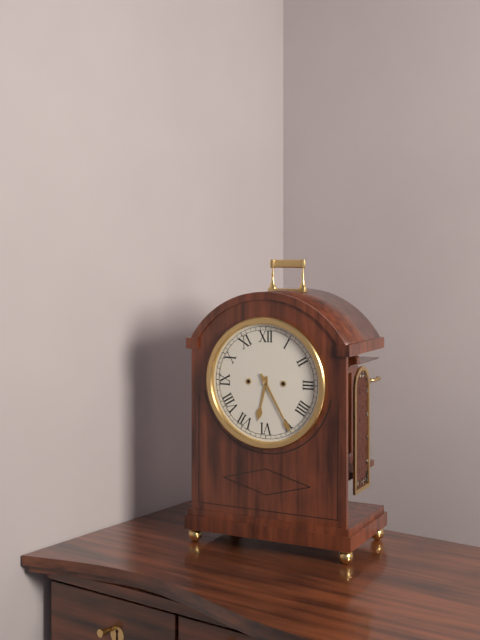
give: {"hour": 6, "minute": 25}
